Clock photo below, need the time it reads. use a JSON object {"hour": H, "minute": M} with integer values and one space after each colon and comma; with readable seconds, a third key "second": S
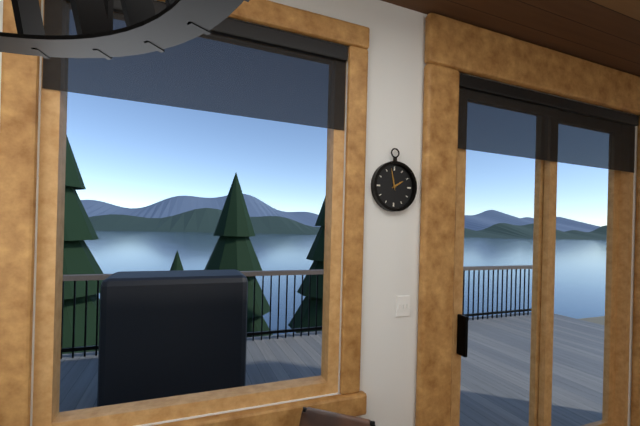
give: {"hour": 1, "minute": 58}
